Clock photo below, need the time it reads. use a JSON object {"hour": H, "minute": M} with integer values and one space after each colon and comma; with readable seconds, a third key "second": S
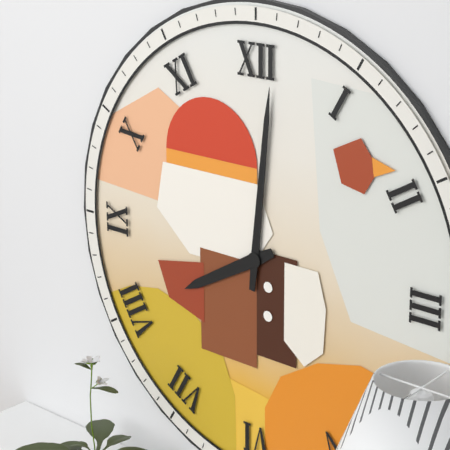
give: {"hour": 8, "minute": 1}
